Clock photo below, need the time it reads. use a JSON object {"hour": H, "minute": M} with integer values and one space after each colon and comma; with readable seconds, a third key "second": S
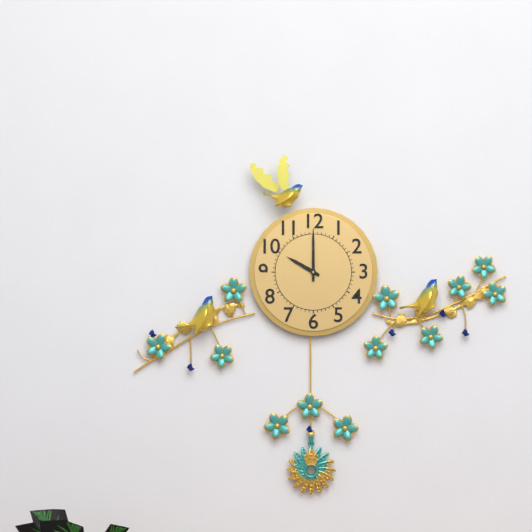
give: {"hour": 10, "minute": 0}
